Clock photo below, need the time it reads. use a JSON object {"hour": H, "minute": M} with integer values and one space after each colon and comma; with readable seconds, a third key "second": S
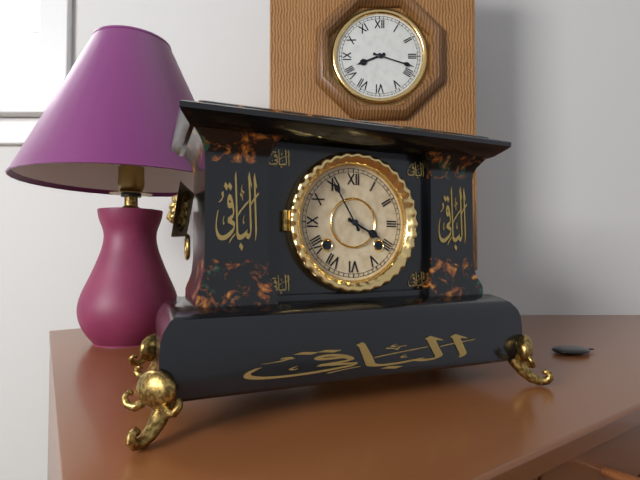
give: {"hour": 3, "minute": 55}
